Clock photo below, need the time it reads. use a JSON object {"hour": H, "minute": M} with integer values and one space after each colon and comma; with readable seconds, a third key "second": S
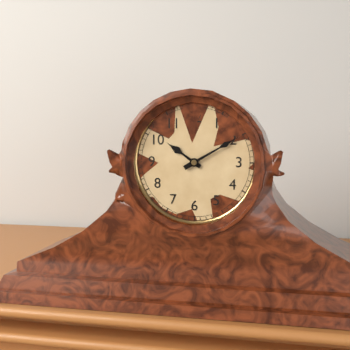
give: {"hour": 10, "minute": 10}
